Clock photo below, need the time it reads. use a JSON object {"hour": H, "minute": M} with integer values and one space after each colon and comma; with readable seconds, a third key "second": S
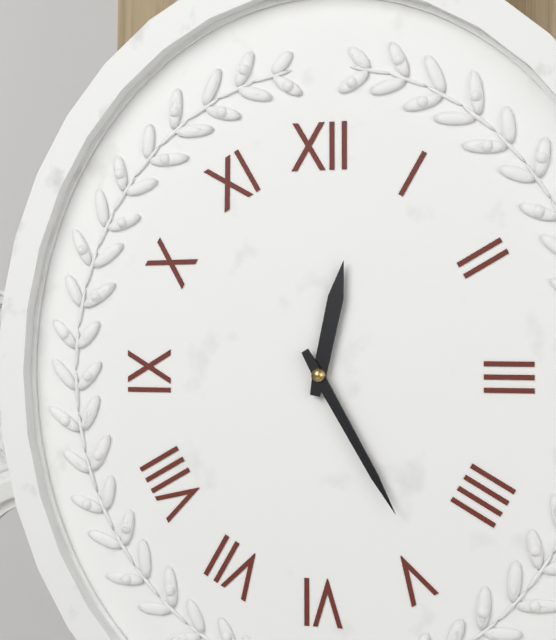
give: {"hour": 12, "minute": 25}
